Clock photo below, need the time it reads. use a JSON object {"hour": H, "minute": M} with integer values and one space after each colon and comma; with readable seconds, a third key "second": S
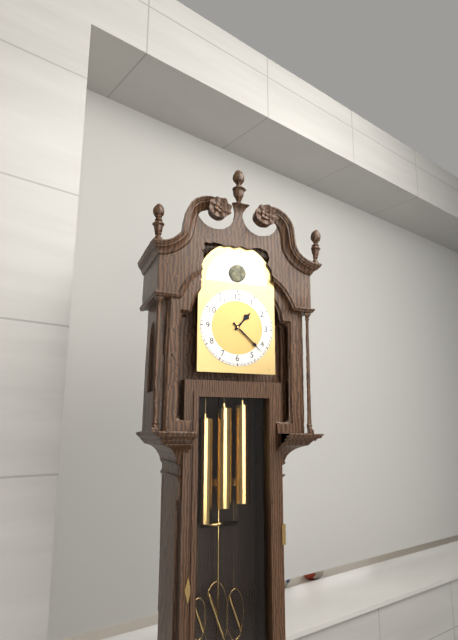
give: {"hour": 1, "minute": 22}
